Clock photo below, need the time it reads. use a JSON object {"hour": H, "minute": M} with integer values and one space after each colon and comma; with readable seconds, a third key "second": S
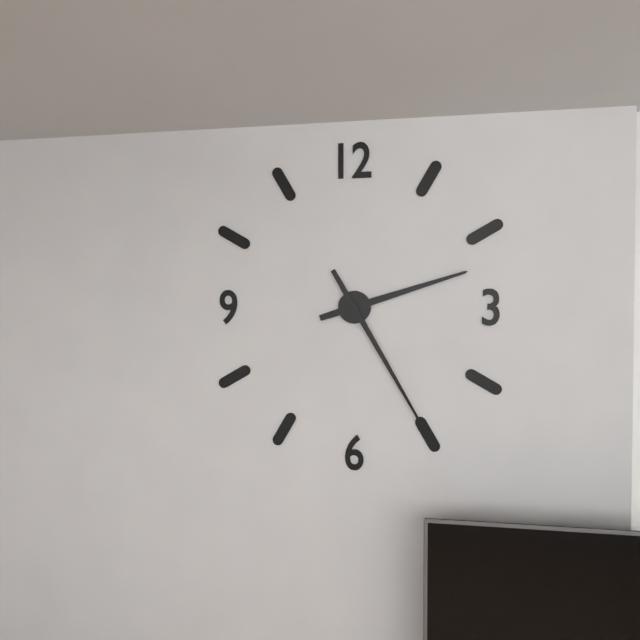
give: {"hour": 2, "minute": 25}
